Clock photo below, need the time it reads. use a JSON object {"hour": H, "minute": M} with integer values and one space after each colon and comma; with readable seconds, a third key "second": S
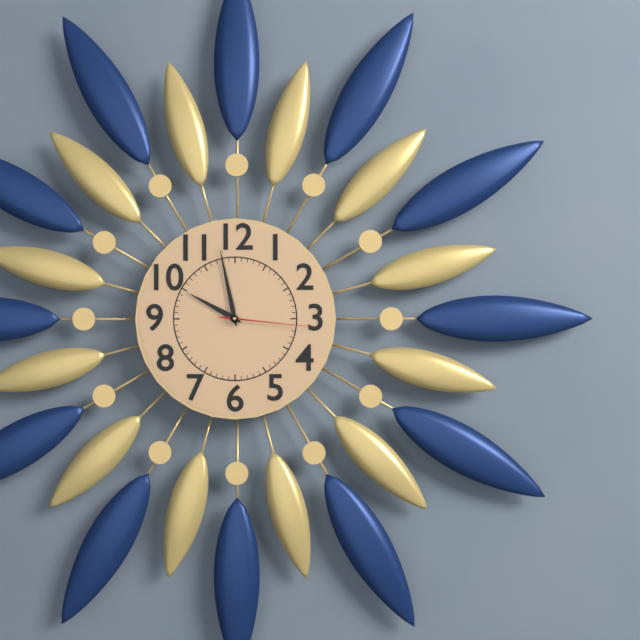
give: {"hour": 9, "minute": 58, "second": 16}
